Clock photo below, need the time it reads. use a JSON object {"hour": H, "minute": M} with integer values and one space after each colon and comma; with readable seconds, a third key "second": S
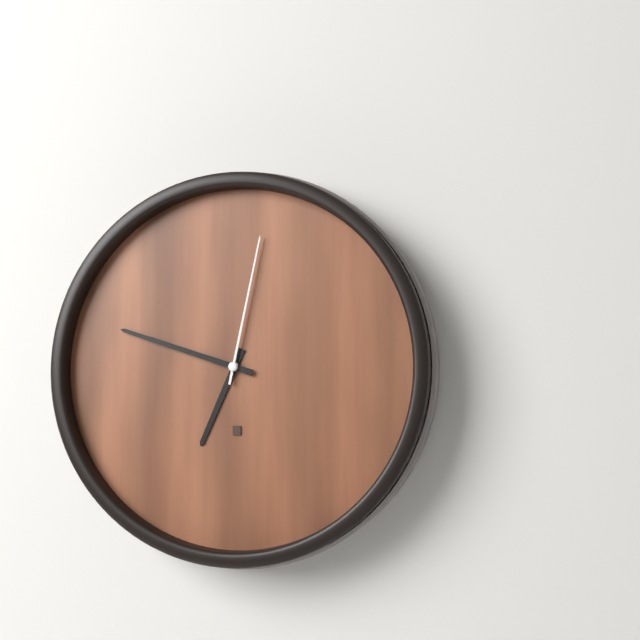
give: {"hour": 6, "minute": 48, "second": 2}
